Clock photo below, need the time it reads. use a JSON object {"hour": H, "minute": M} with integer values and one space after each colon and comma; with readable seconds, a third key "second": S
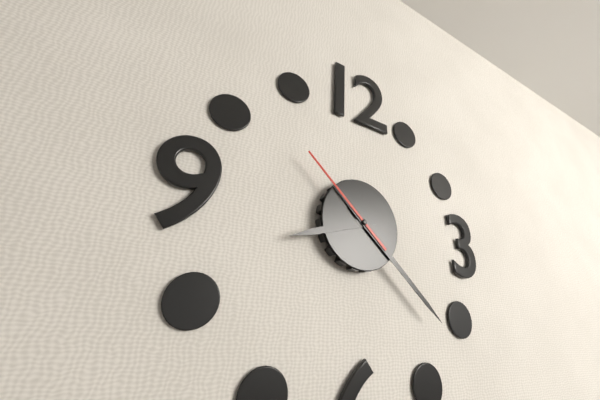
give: {"hour": 8, "minute": 22, "second": 52}
